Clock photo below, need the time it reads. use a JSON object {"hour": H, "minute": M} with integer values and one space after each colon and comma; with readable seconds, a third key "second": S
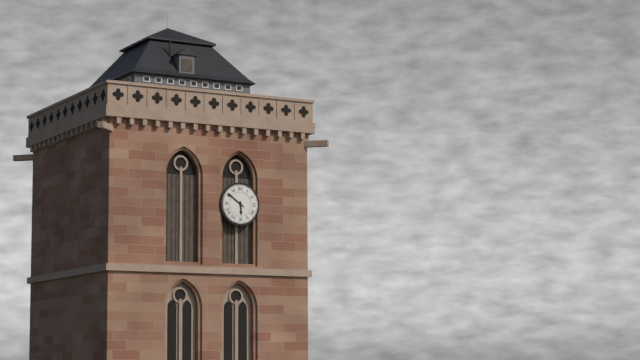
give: {"hour": 5, "minute": 51}
